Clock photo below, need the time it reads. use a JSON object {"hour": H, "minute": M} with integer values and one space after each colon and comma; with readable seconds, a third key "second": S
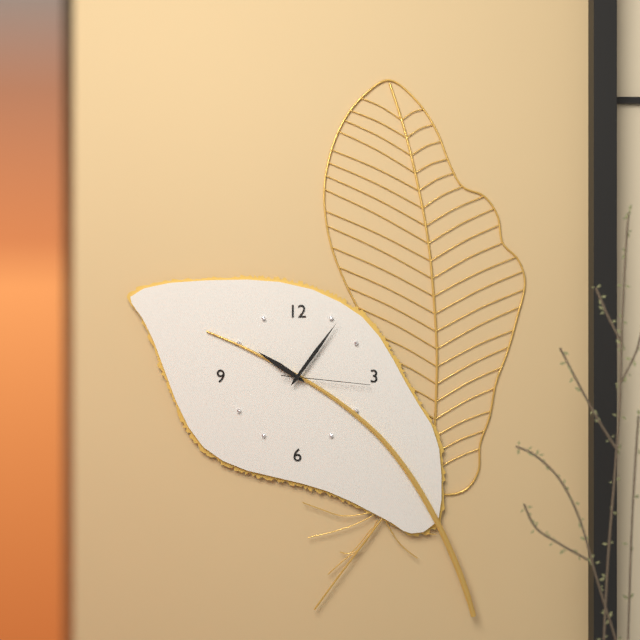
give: {"hour": 10, "minute": 6, "second": 16}
